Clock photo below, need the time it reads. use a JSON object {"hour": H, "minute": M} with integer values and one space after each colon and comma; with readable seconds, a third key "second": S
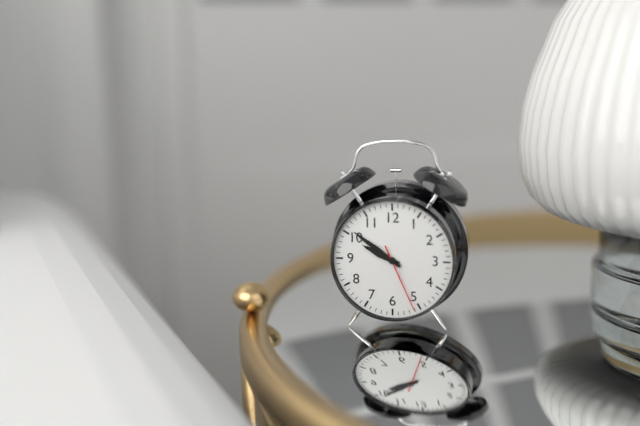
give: {"hour": 9, "minute": 51, "second": 26}
